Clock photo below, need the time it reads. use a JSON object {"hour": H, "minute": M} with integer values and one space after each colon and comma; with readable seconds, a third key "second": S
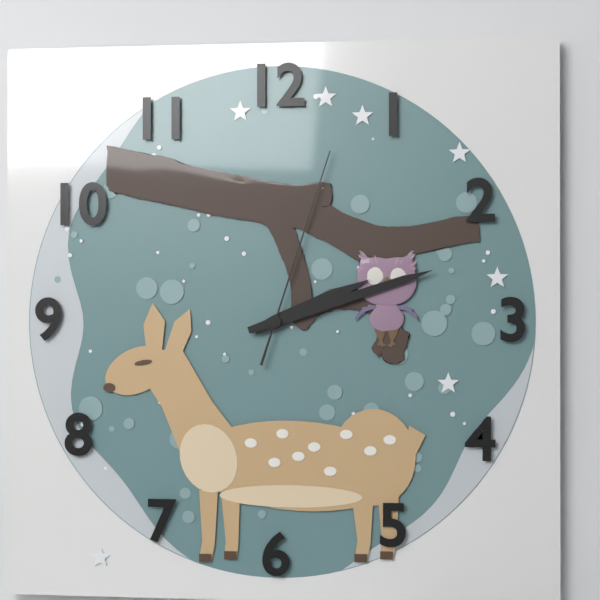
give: {"hour": 2, "minute": 12, "second": 3}
